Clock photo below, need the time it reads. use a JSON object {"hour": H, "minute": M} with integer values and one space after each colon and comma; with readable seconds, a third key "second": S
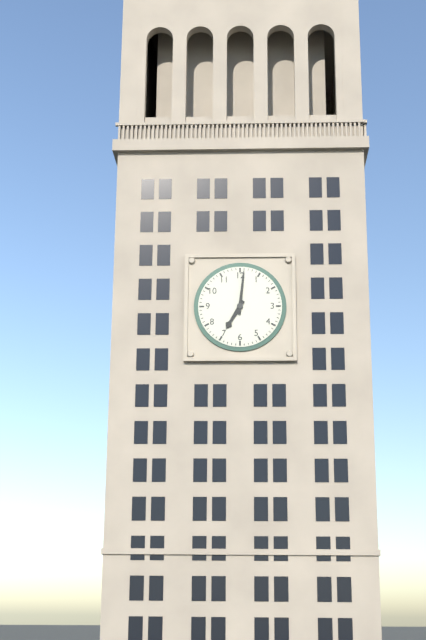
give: {"hour": 7, "minute": 1}
